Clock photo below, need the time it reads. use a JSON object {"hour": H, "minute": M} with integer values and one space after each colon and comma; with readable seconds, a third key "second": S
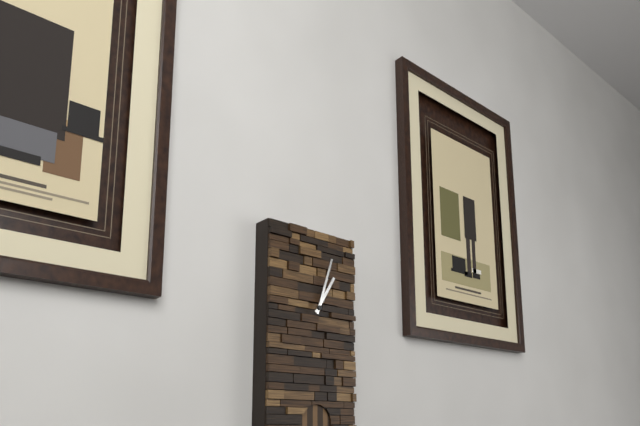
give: {"hour": 1, "minute": 3}
